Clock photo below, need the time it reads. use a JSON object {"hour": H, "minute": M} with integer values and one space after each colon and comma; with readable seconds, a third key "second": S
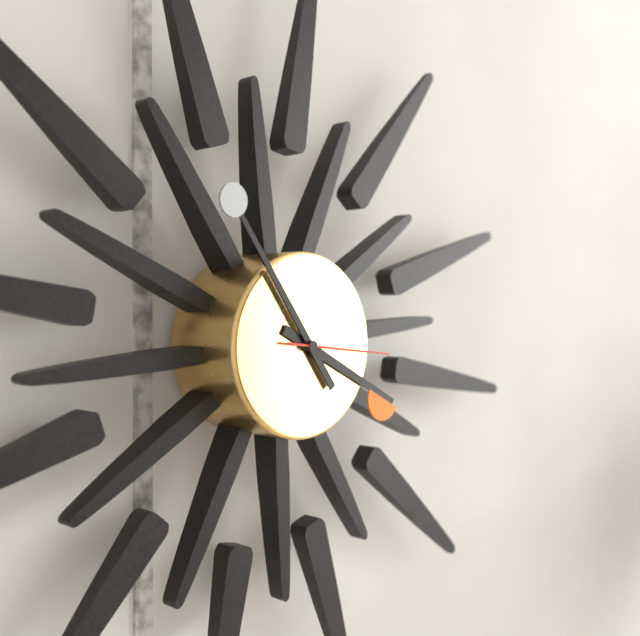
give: {"hour": 3, "minute": 54, "second": 16}
